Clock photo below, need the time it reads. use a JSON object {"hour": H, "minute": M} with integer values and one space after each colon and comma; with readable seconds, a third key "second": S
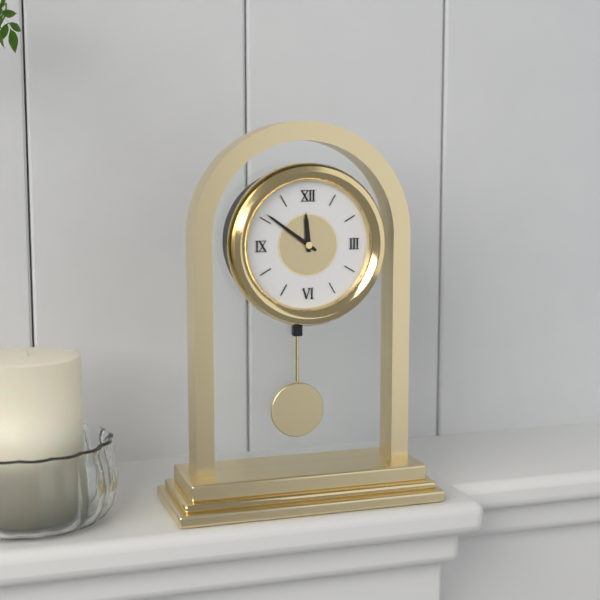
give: {"hour": 11, "minute": 51}
